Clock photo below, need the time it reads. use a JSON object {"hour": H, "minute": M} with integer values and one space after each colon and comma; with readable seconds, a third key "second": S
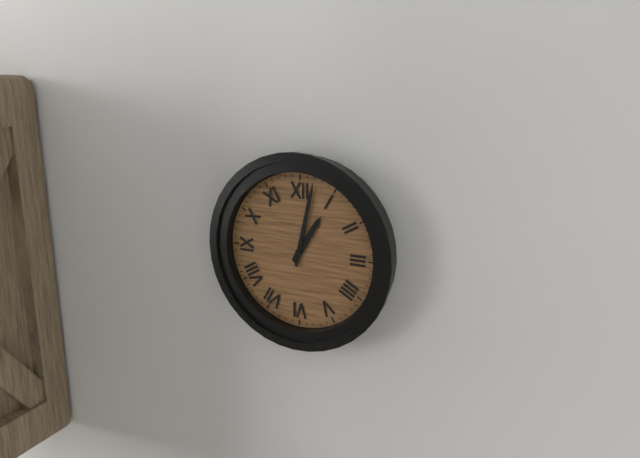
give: {"hour": 1, "minute": 2}
